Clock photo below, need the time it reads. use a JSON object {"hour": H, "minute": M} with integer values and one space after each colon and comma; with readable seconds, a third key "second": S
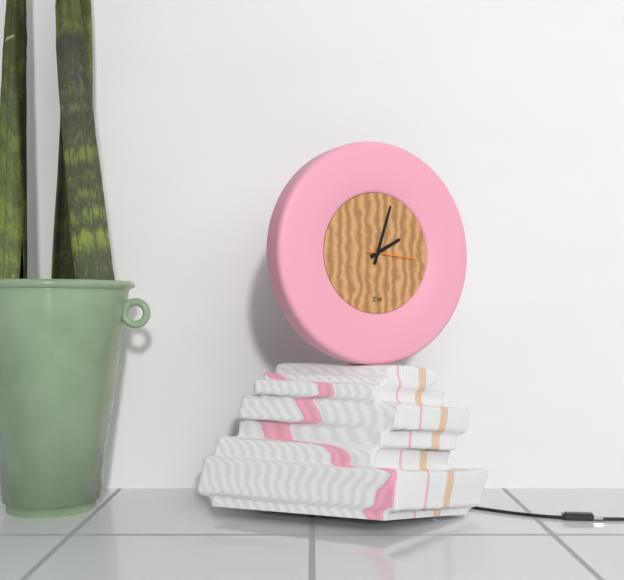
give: {"hour": 2, "minute": 3, "second": 16}
